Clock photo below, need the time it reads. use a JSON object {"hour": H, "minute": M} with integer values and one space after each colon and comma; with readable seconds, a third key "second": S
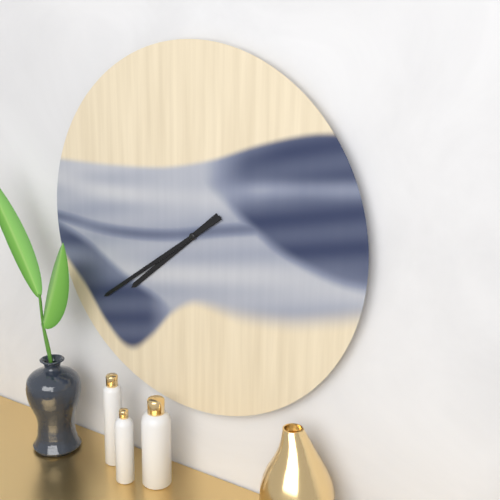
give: {"hour": 7, "minute": 39}
